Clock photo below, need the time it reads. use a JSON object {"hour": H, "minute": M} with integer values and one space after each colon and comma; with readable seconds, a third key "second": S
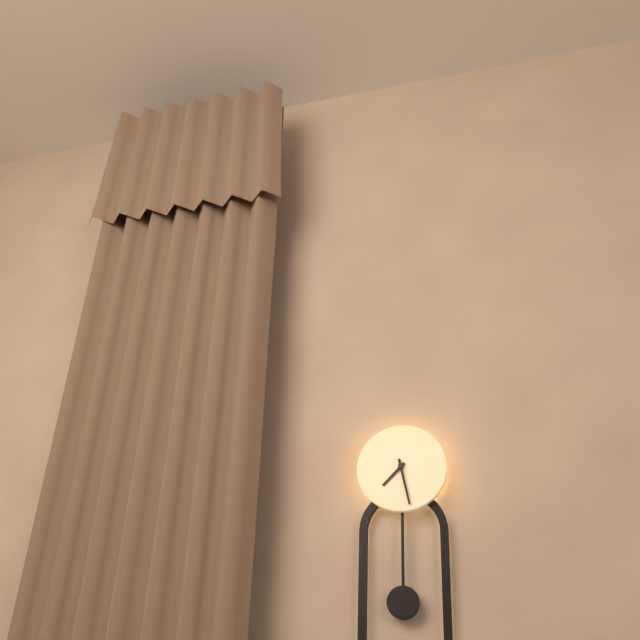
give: {"hour": 7, "minute": 28}
